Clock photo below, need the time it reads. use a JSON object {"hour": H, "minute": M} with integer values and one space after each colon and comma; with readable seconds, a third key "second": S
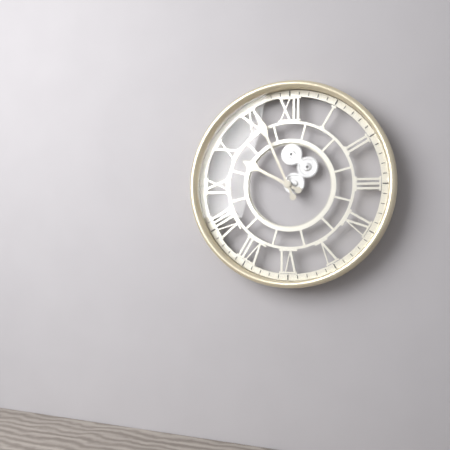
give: {"hour": 9, "minute": 56}
